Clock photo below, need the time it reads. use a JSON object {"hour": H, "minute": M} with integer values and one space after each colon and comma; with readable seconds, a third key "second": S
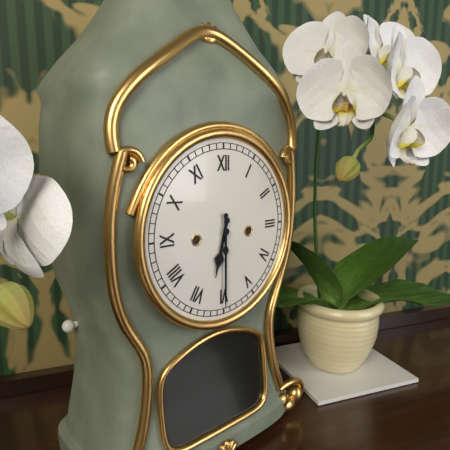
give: {"hour": 6, "minute": 30}
